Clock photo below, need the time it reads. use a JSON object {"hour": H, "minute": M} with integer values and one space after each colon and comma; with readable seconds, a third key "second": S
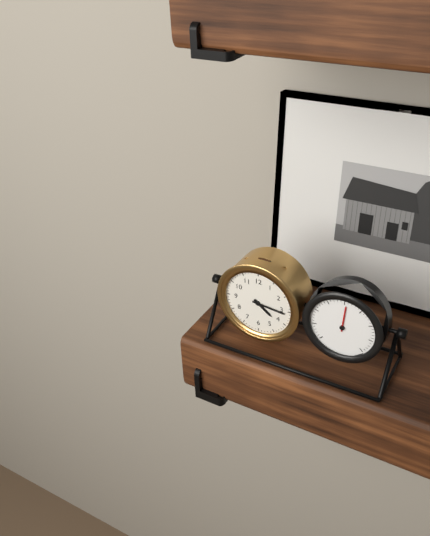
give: {"hour": 4, "minute": 16}
